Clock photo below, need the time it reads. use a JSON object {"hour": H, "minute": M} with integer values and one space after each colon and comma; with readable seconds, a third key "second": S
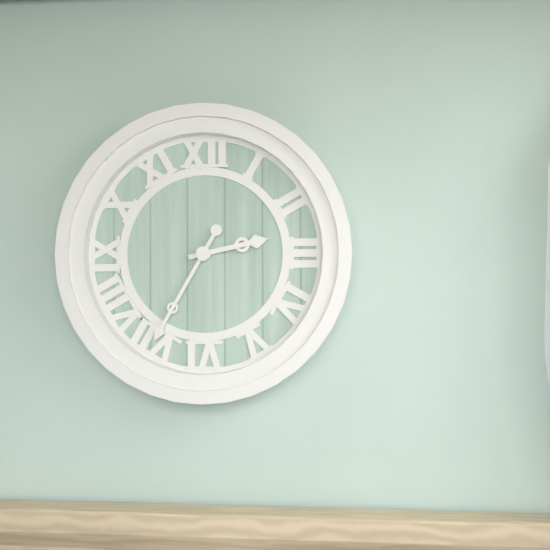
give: {"hour": 2, "minute": 35}
